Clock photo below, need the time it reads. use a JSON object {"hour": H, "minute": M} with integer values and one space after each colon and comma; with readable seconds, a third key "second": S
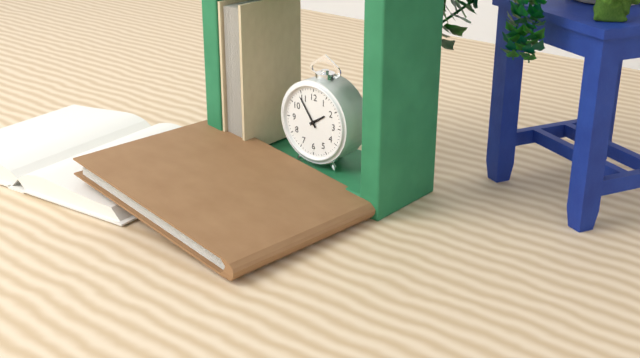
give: {"hour": 1, "minute": 54}
